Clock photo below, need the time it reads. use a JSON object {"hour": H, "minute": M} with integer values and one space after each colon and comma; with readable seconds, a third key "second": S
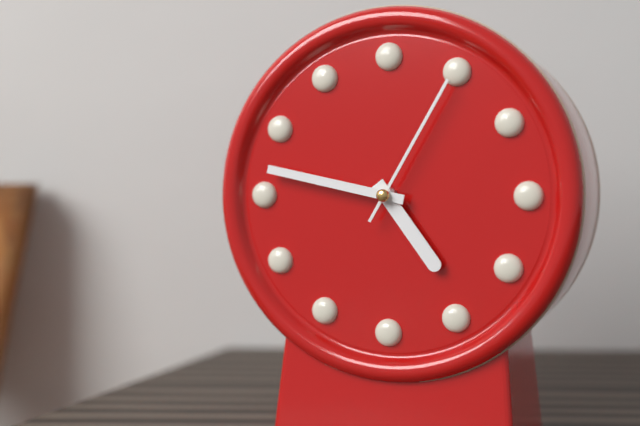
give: {"hour": 4, "minute": 47, "second": 5}
